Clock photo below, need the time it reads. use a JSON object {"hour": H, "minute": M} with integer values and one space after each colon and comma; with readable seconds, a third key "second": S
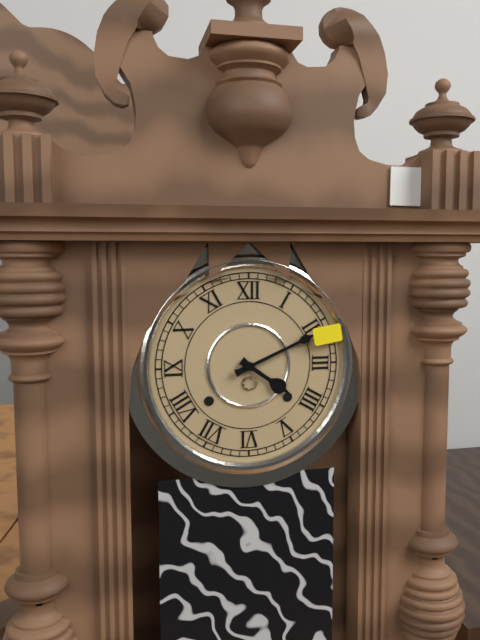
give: {"hour": 4, "minute": 11}
